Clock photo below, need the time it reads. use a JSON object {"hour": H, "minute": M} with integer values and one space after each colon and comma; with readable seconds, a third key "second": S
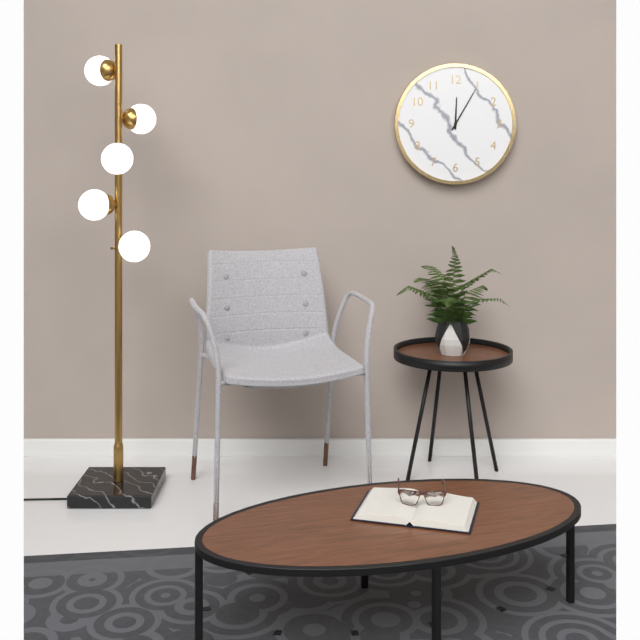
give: {"hour": 12, "minute": 5}
